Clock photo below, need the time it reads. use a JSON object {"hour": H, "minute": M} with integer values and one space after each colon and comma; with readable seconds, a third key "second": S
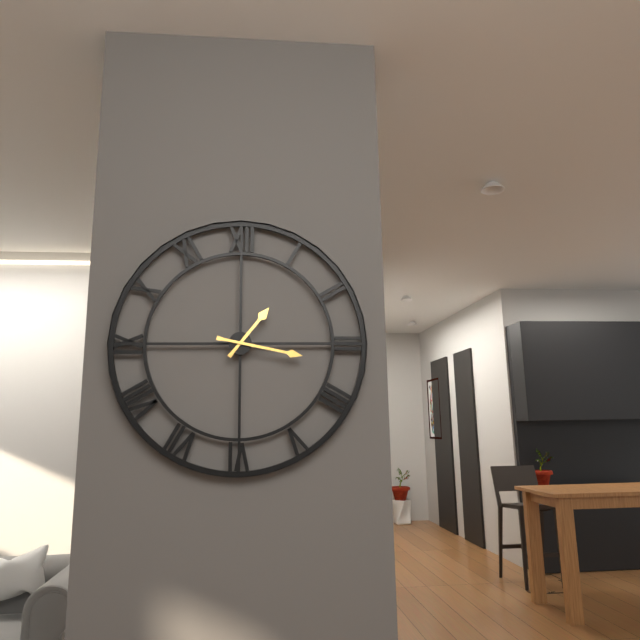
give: {"hour": 1, "minute": 17}
